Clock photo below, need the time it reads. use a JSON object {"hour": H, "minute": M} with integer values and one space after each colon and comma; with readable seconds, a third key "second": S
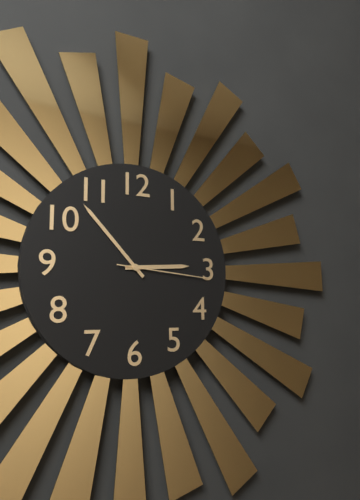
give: {"hour": 2, "minute": 53, "second": 16}
